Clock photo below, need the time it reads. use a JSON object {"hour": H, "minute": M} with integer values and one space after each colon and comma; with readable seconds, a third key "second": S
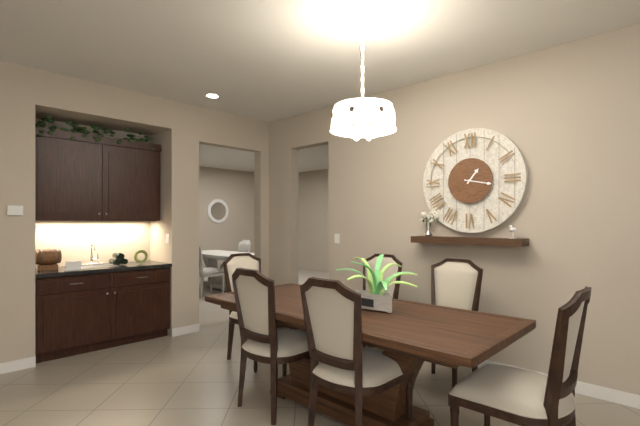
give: {"hour": 1, "minute": 17}
